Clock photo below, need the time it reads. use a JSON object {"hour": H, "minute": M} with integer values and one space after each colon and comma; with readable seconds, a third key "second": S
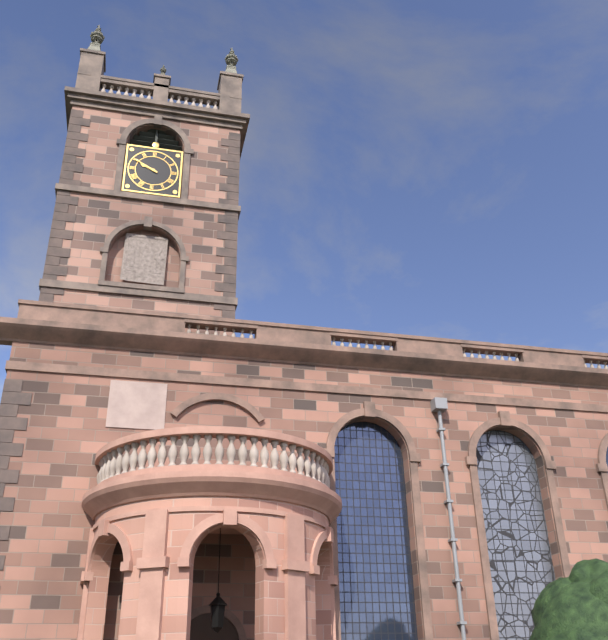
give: {"hour": 9, "minute": 50}
